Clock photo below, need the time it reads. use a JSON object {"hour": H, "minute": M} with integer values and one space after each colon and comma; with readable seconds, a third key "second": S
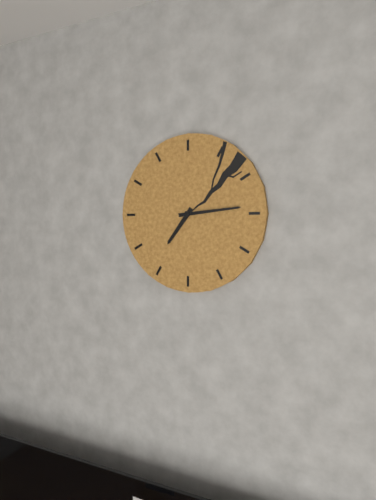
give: {"hour": 7, "minute": 14}
